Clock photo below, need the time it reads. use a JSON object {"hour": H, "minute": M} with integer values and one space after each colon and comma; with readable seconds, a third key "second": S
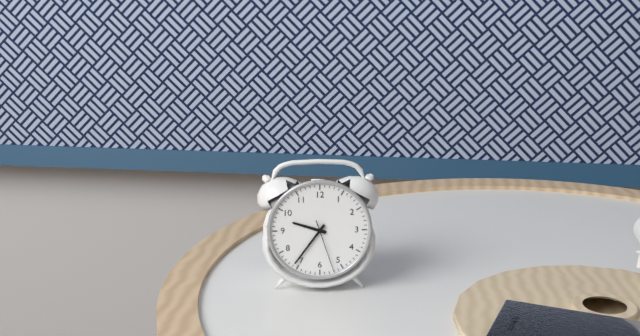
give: {"hour": 9, "minute": 36, "second": 27}
